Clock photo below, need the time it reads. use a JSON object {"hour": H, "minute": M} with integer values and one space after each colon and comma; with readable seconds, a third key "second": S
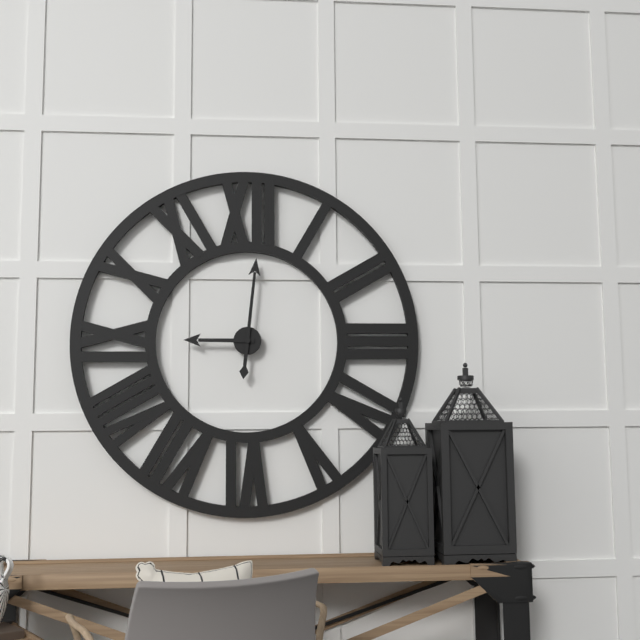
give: {"hour": 9, "minute": 1}
